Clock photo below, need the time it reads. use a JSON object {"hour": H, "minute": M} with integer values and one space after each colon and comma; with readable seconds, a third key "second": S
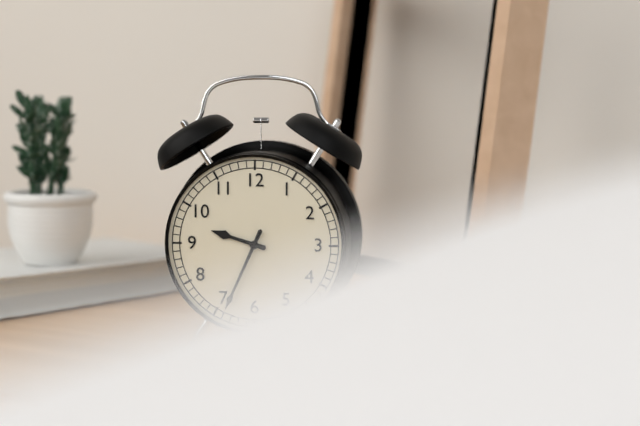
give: {"hour": 9, "minute": 34}
